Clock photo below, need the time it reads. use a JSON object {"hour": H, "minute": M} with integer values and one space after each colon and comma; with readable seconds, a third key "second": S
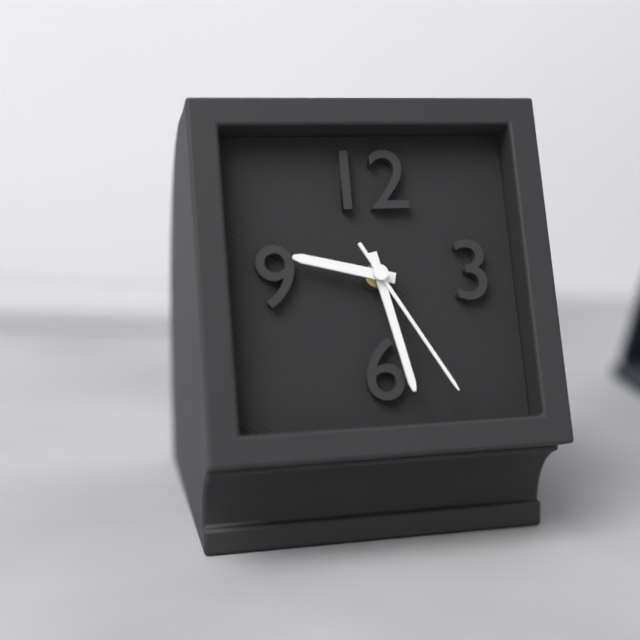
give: {"hour": 9, "minute": 28, "second": 25}
